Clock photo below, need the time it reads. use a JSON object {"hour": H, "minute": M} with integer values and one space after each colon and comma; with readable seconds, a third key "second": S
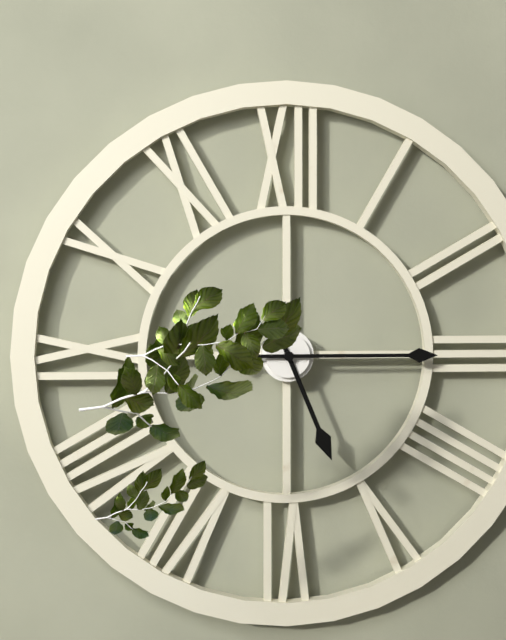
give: {"hour": 5, "minute": 15}
